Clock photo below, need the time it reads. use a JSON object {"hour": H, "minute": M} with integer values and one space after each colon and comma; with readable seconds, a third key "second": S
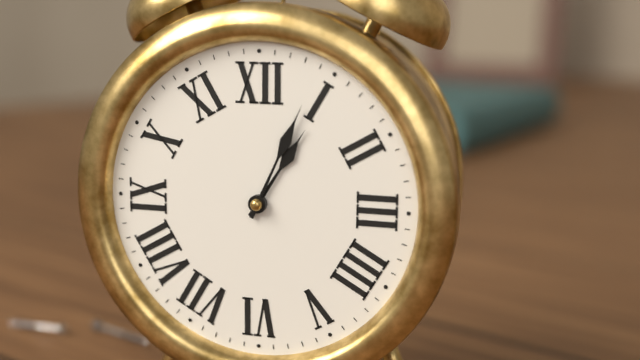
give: {"hour": 1, "minute": 4}
